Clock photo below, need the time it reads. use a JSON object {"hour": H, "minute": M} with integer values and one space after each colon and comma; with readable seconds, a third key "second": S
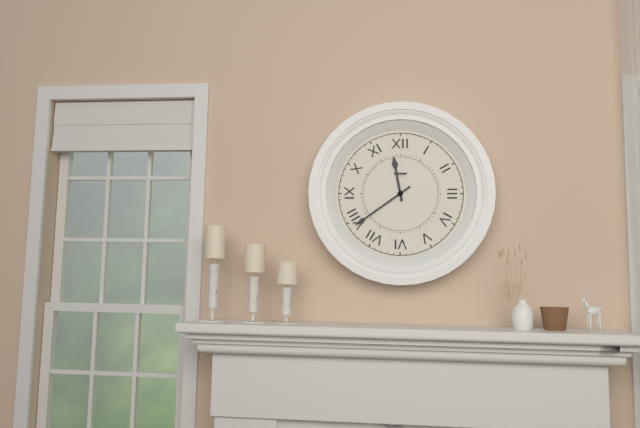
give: {"hour": 11, "minute": 39}
